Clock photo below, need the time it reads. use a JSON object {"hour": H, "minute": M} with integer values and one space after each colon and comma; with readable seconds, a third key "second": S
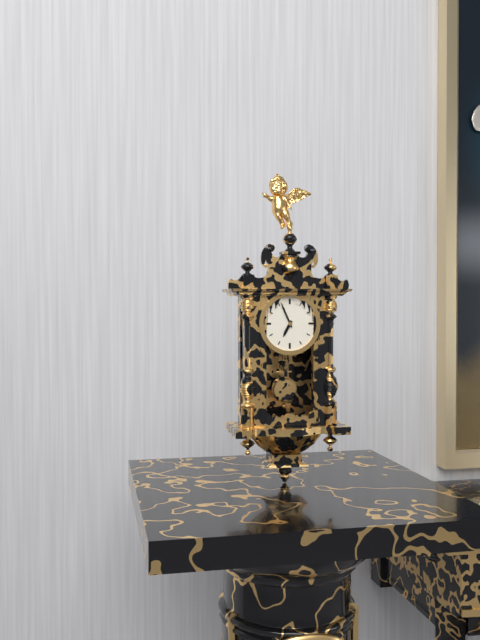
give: {"hour": 6, "minute": 56}
